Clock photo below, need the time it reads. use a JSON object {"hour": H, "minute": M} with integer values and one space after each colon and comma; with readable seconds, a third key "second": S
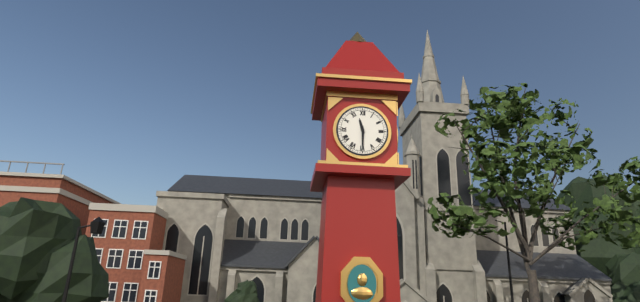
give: {"hour": 11, "minute": 30}
